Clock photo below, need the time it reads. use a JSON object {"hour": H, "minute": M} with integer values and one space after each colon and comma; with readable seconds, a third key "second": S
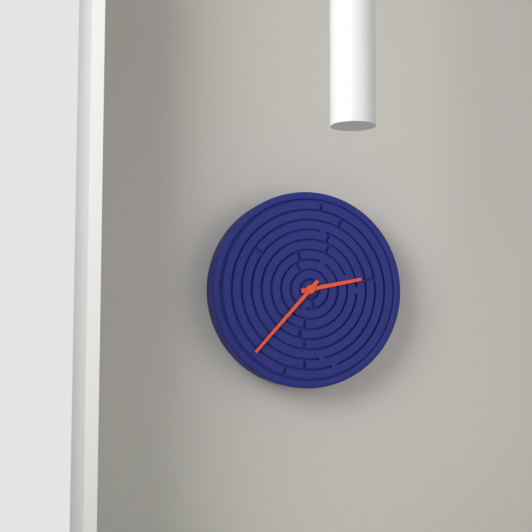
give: {"hour": 2, "minute": 37}
